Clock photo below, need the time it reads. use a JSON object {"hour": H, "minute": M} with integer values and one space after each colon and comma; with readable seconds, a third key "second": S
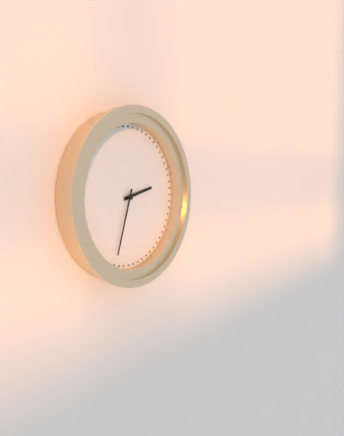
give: {"hour": 2, "minute": 33}
